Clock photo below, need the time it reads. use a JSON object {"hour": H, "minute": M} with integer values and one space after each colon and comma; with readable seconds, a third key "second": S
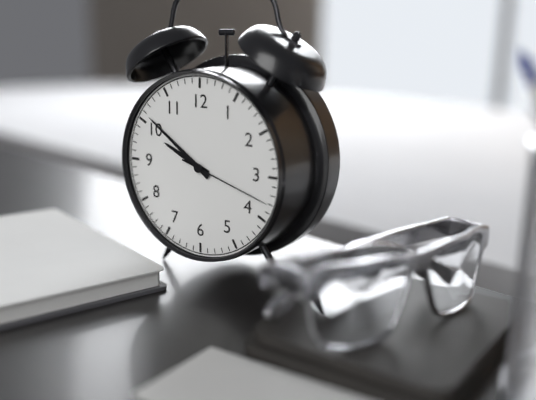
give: {"hour": 9, "minute": 51, "second": 18}
